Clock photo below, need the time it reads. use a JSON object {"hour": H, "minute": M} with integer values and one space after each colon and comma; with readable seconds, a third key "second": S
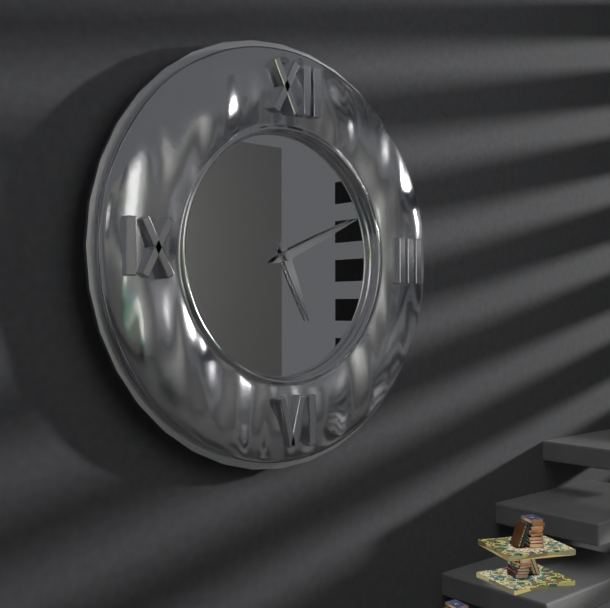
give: {"hour": 5, "minute": 11}
